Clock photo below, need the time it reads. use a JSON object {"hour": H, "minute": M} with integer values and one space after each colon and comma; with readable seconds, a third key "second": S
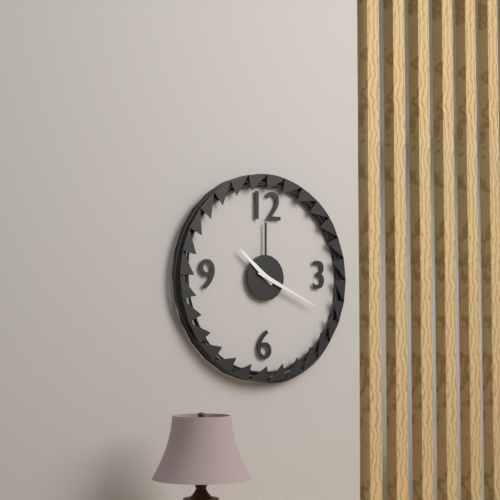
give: {"hour": 10, "minute": 19}
